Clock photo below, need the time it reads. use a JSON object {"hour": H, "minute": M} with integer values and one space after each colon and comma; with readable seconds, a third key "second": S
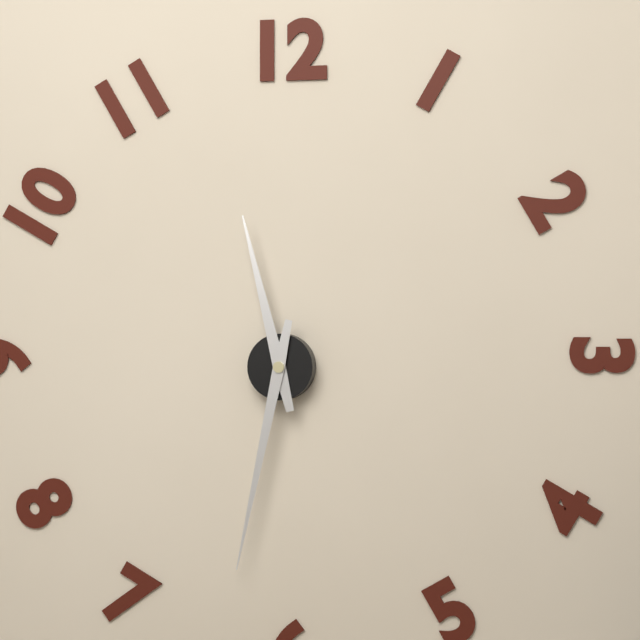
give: {"hour": 11, "minute": 32}
